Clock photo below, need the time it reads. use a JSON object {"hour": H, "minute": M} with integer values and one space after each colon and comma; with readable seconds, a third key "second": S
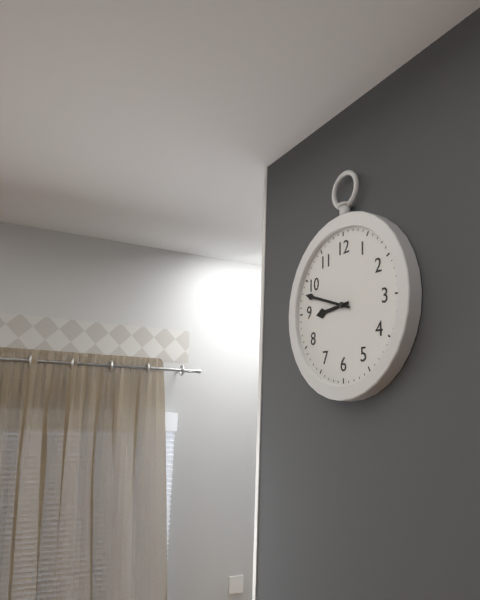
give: {"hour": 8, "minute": 48}
